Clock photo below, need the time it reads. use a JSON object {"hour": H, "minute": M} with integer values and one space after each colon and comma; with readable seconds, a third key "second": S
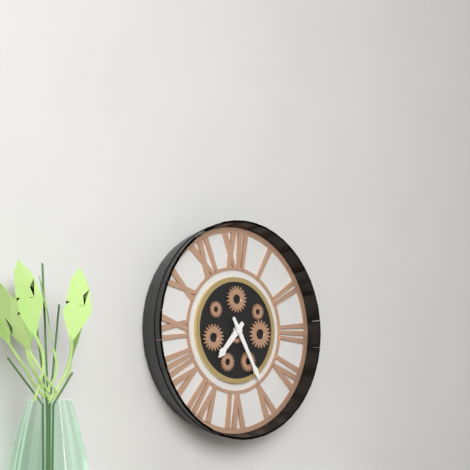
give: {"hour": 7, "minute": 25}
